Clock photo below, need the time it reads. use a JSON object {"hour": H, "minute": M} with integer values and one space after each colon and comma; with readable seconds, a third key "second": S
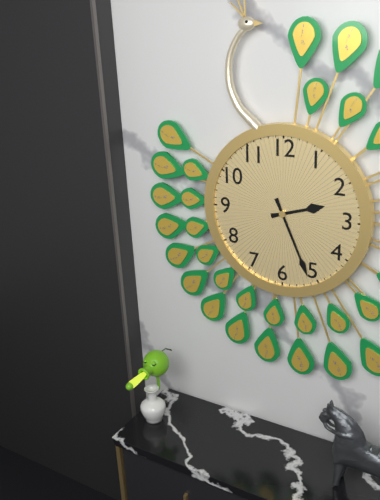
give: {"hour": 2, "minute": 26}
